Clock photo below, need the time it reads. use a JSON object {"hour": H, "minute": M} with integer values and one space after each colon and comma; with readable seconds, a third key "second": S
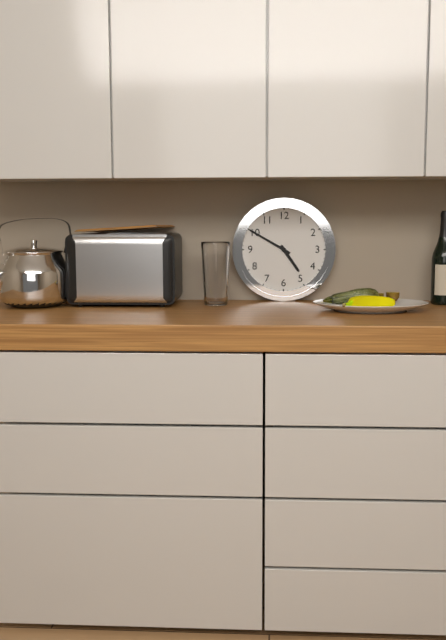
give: {"hour": 4, "minute": 50}
